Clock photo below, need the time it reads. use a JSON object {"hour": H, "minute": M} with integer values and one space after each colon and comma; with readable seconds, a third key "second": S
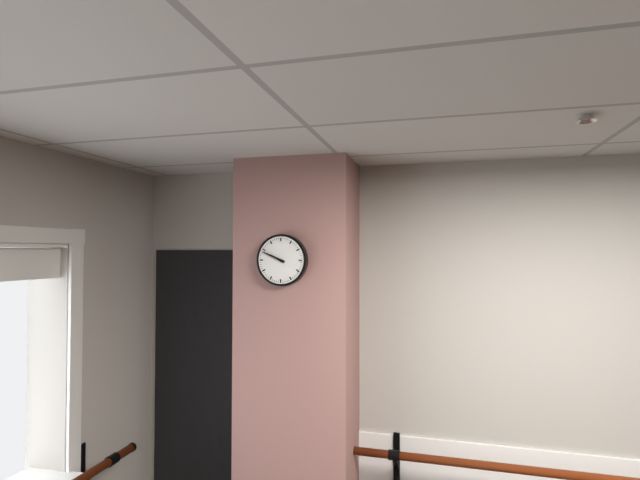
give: {"hour": 9, "minute": 49}
